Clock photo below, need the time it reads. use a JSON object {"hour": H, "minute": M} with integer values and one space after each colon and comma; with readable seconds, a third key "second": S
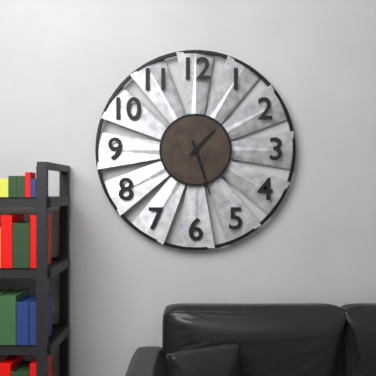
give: {"hour": 1, "minute": 27}
